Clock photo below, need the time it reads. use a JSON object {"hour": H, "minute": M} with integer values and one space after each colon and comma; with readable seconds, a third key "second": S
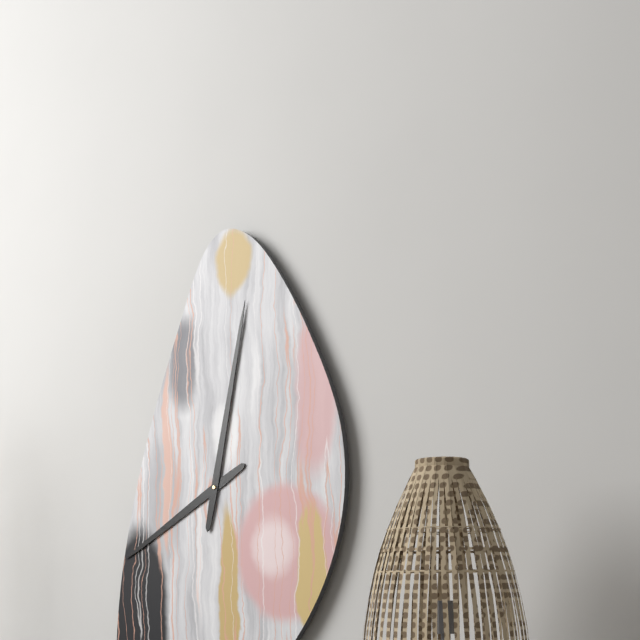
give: {"hour": 8, "minute": 2}
